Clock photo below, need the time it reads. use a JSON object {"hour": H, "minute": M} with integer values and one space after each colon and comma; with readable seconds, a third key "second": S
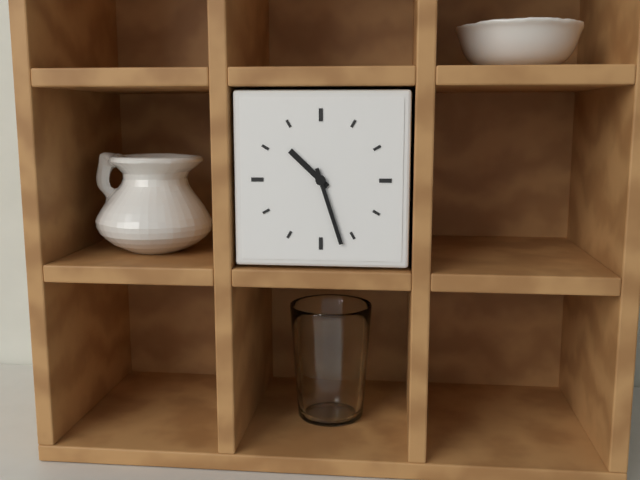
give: {"hour": 10, "minute": 27}
